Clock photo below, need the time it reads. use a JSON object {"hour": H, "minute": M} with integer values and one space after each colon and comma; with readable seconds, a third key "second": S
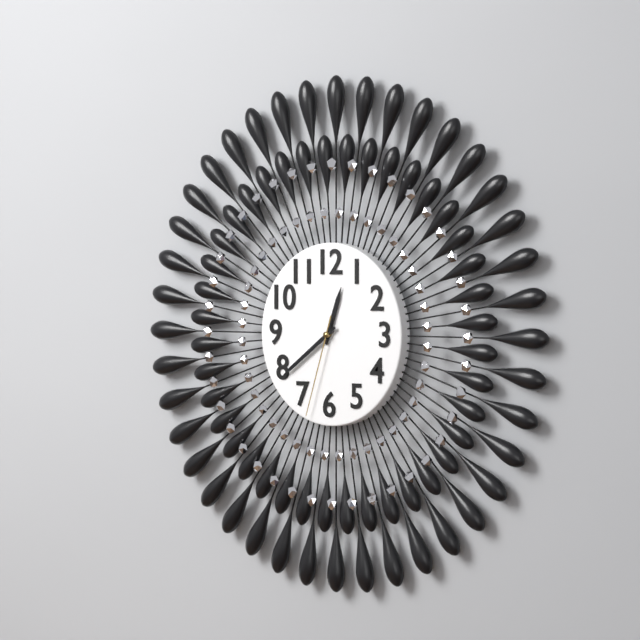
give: {"hour": 12, "minute": 39, "second": 33}
